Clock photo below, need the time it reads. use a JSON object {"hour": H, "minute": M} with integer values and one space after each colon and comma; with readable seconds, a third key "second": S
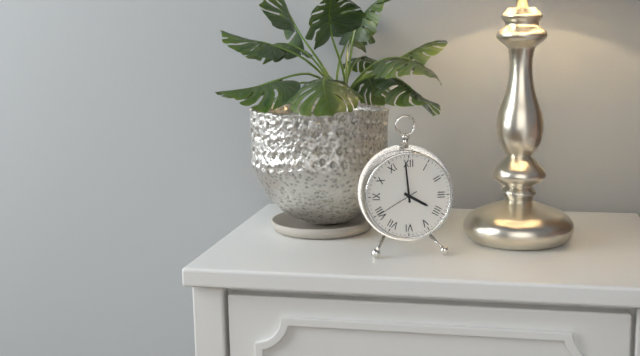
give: {"hour": 3, "minute": 59}
